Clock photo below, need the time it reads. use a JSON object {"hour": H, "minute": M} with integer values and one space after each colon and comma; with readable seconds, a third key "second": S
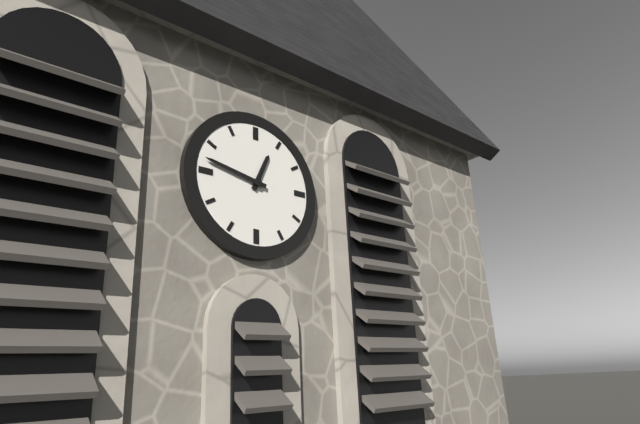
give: {"hour": 12, "minute": 47}
